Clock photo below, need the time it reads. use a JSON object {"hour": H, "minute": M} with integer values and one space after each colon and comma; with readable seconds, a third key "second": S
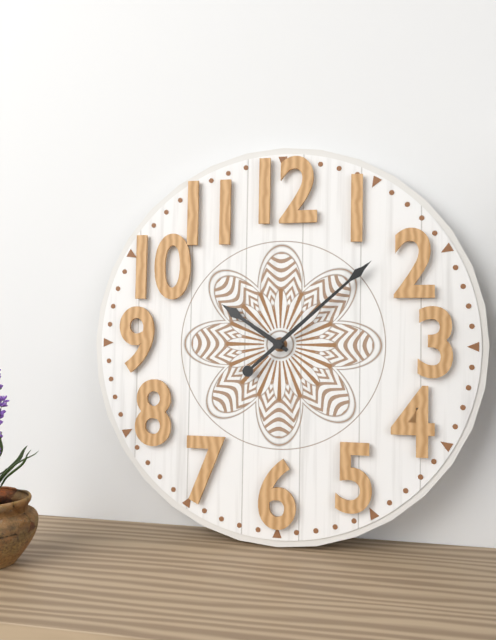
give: {"hour": 10, "minute": 8}
